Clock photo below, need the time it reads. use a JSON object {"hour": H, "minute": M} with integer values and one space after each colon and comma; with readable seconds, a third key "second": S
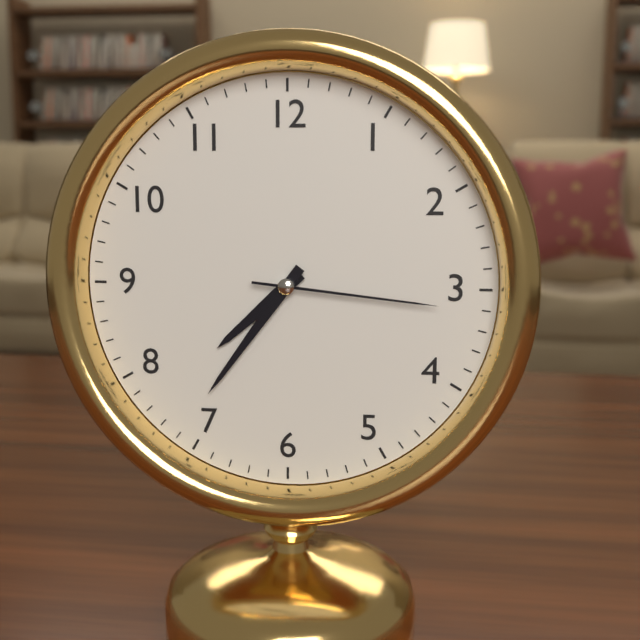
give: {"hour": 7, "minute": 36, "second": 16}
